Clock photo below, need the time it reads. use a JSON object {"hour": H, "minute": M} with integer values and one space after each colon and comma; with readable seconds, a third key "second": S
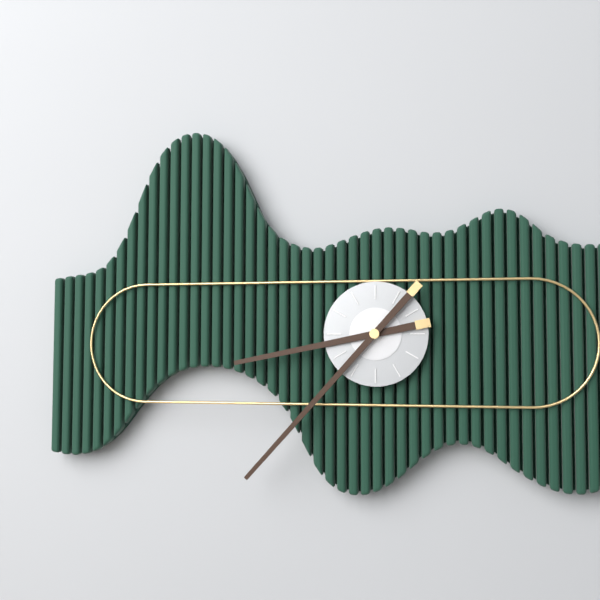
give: {"hour": 8, "minute": 37}
